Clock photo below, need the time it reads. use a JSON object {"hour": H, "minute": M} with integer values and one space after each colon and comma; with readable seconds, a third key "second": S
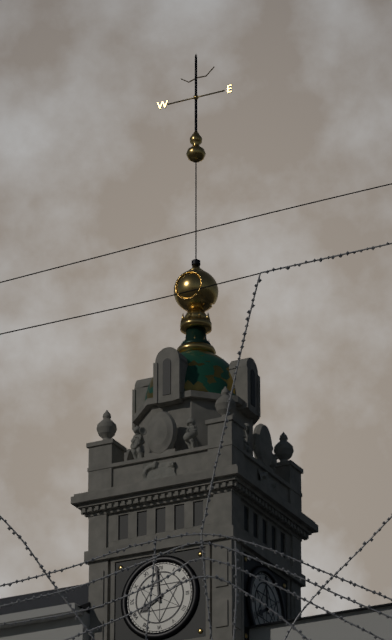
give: {"hour": 7, "minute": 59}
